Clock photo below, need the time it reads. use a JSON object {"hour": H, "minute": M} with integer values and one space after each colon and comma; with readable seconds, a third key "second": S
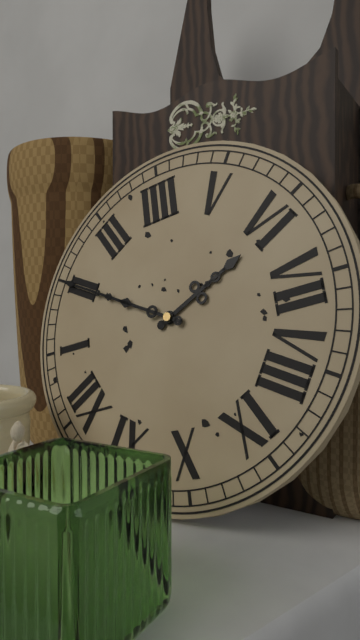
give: {"hour": 6, "minute": 10}
